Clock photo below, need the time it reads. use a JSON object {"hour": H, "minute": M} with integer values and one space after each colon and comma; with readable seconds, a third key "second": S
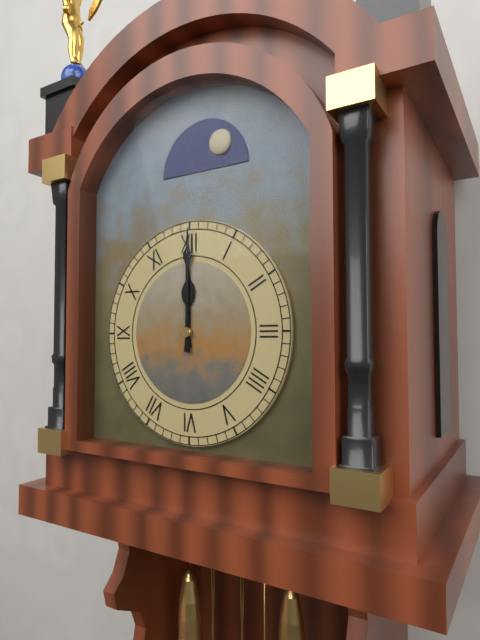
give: {"hour": 12, "minute": 0}
